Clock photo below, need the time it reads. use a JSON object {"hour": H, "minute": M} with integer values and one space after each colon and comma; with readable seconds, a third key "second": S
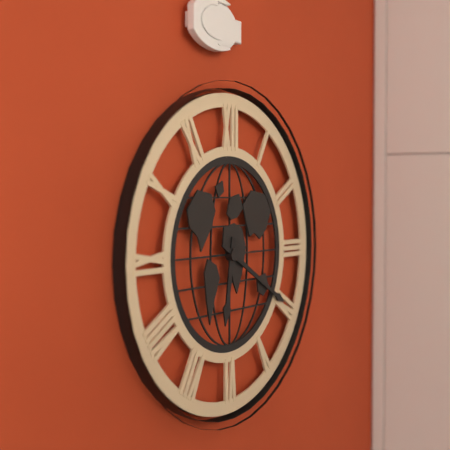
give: {"hour": 6, "minute": 20}
